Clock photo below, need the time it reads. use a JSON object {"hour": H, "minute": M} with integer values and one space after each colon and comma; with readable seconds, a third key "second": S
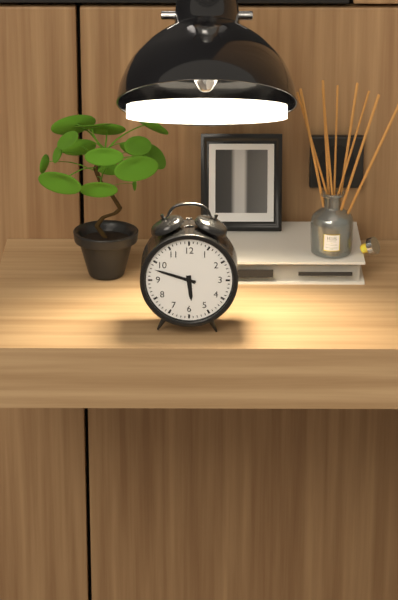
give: {"hour": 5, "minute": 48}
